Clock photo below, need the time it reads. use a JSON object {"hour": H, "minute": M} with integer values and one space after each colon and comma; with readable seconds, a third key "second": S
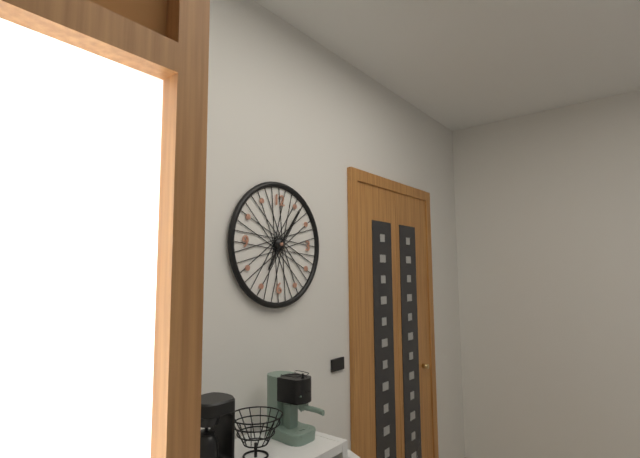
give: {"hour": 7, "minute": 6}
